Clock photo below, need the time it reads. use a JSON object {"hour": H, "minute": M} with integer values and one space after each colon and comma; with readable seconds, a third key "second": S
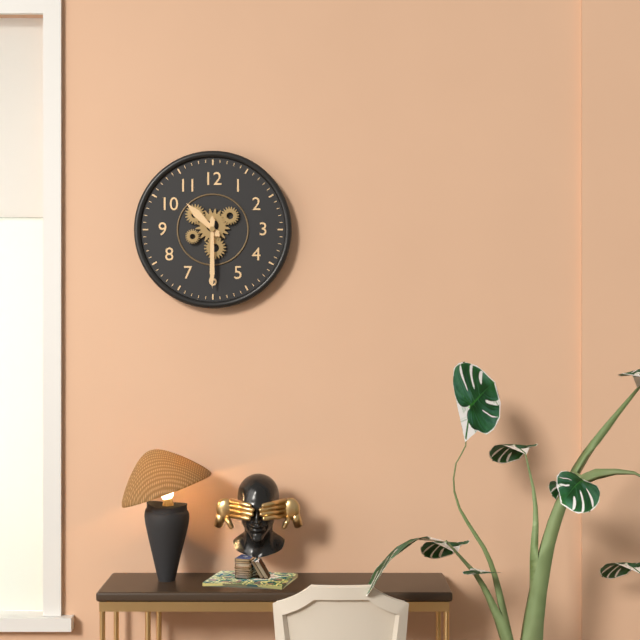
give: {"hour": 10, "minute": 30}
